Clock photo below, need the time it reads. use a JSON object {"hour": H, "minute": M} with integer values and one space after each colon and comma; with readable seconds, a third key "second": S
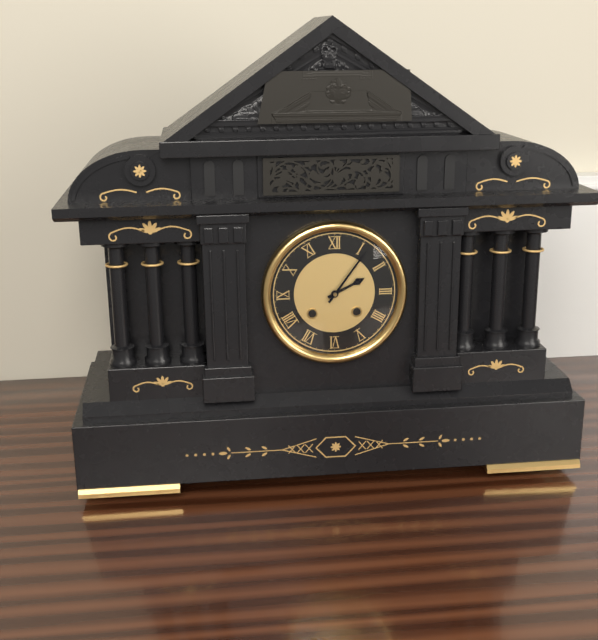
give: {"hour": 2, "minute": 6}
